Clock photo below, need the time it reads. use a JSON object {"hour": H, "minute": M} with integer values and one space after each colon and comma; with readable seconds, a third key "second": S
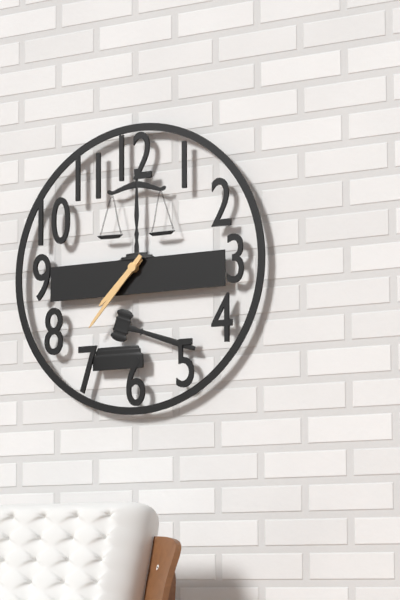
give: {"hour": 7, "minute": 37}
